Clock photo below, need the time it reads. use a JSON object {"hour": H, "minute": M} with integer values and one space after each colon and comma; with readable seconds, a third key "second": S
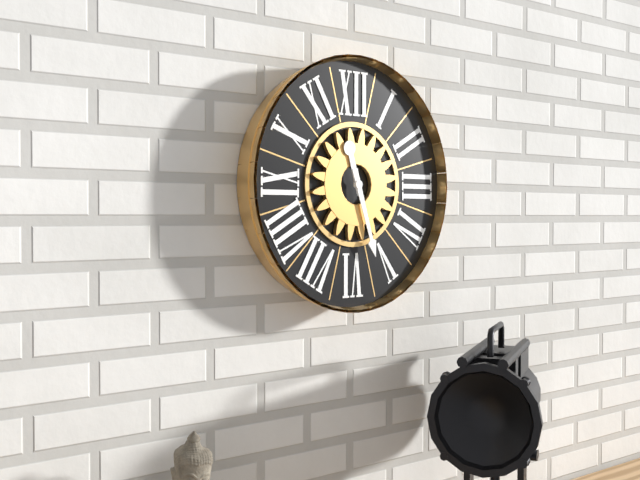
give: {"hour": 11, "minute": 27}
